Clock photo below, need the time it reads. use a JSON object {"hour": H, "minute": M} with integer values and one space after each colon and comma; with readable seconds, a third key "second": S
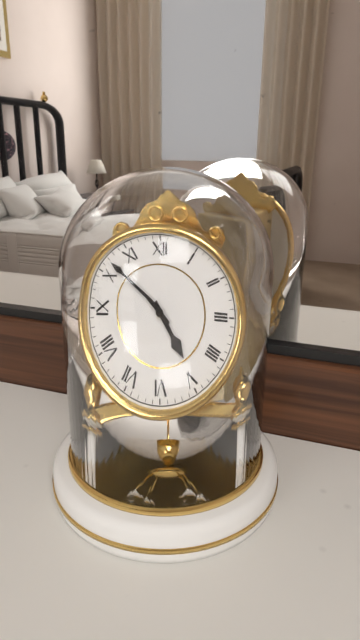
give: {"hour": 4, "minute": 52}
